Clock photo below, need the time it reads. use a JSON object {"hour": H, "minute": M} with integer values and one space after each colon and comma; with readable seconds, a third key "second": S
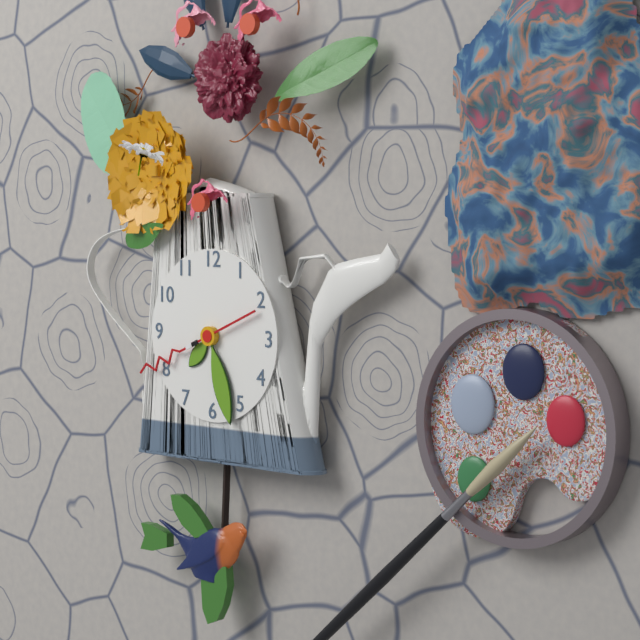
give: {"hour": 7, "minute": 27, "second": 41}
